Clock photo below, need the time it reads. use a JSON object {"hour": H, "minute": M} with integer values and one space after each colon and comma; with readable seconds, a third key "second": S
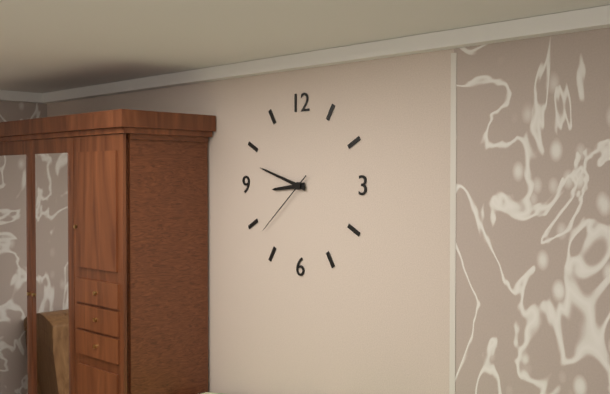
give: {"hour": 8, "minute": 48, "second": 38}
